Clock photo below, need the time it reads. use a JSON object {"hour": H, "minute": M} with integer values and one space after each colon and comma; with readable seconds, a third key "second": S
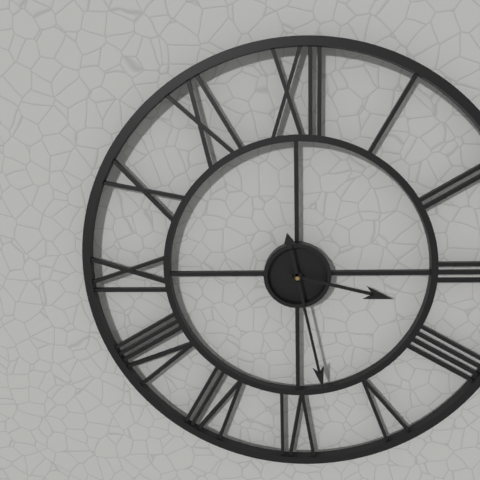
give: {"hour": 3, "minute": 28}
